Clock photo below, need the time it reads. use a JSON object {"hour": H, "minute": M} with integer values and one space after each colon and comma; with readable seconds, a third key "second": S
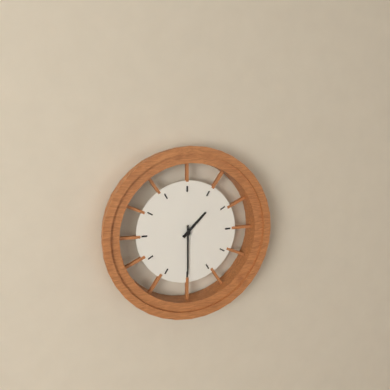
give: {"hour": 1, "minute": 30}
